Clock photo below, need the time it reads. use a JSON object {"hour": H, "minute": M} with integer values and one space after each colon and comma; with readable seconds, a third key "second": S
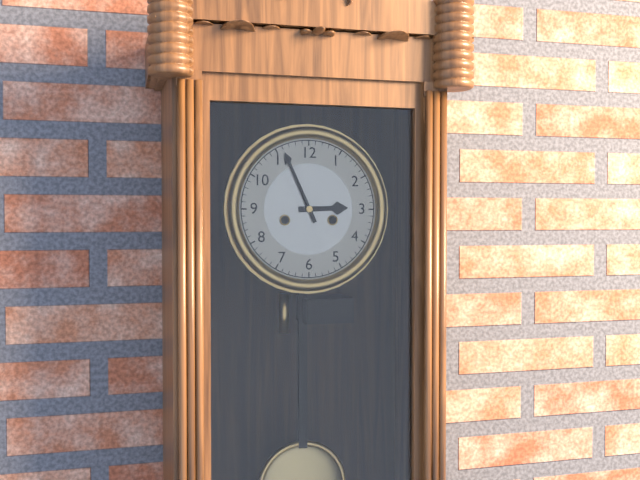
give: {"hour": 2, "minute": 56}
